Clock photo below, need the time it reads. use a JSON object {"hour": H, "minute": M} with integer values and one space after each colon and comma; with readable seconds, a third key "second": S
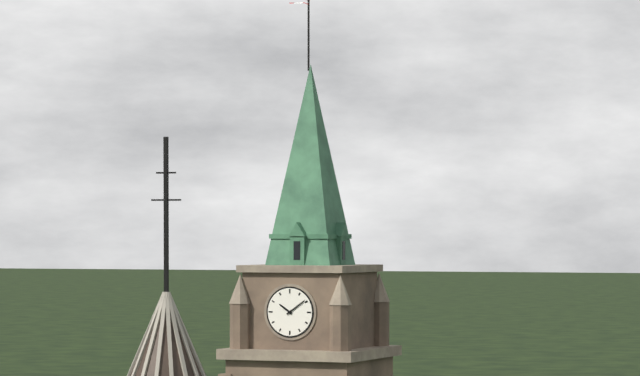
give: {"hour": 10, "minute": 9}
